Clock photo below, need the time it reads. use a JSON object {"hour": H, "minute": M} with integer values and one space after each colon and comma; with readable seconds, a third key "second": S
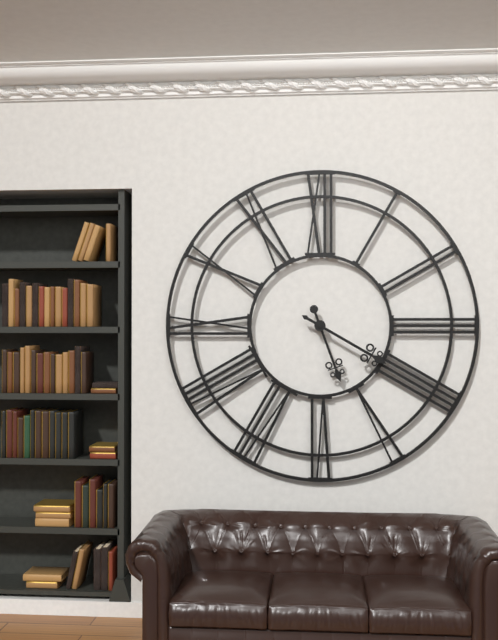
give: {"hour": 5, "minute": 20}
